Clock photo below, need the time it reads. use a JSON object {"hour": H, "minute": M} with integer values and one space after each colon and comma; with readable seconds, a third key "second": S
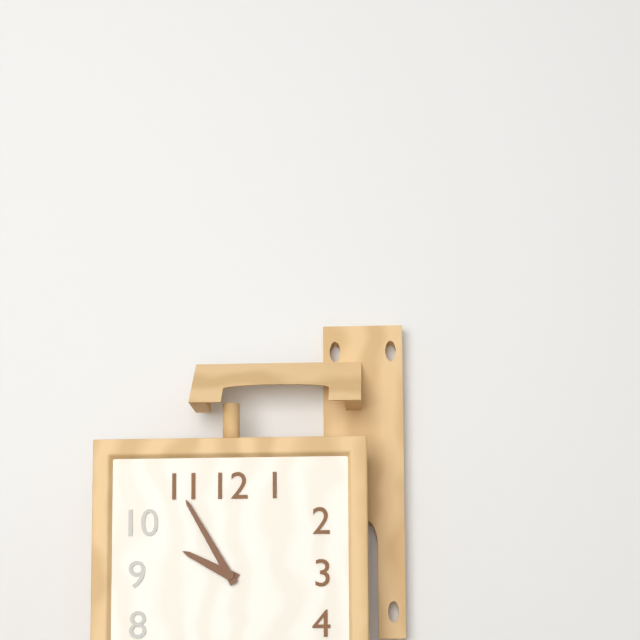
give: {"hour": 9, "minute": 55}
